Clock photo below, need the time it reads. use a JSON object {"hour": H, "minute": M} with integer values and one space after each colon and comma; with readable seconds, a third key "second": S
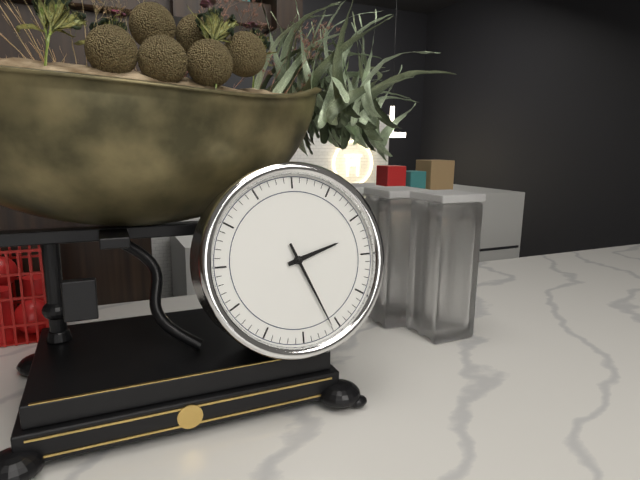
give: {"hour": 2, "minute": 26}
